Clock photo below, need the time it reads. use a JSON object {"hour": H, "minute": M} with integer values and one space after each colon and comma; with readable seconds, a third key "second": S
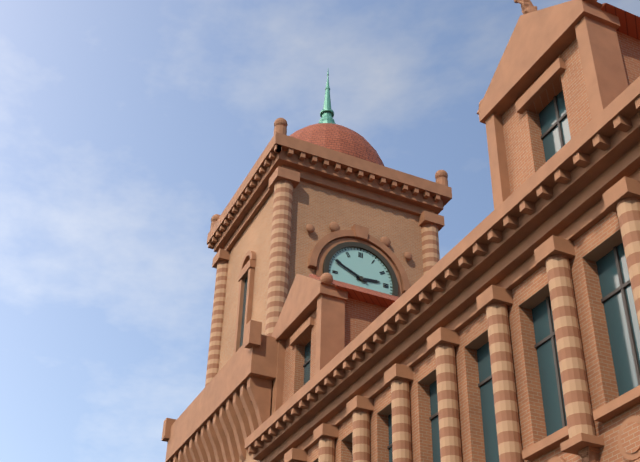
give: {"hour": 2, "minute": 49}
